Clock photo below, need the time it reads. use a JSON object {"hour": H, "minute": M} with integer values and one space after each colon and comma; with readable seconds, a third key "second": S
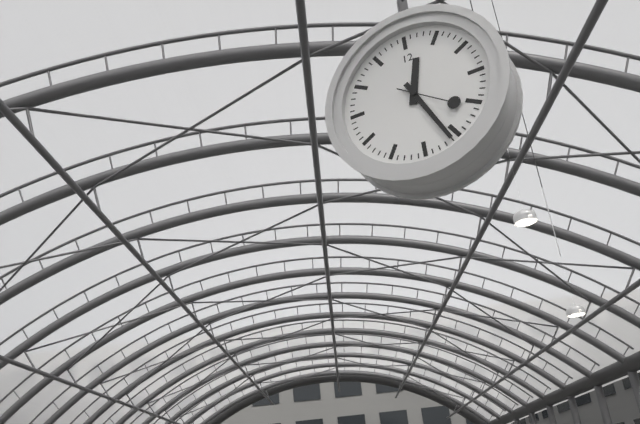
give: {"hour": 12, "minute": 26, "second": 21}
